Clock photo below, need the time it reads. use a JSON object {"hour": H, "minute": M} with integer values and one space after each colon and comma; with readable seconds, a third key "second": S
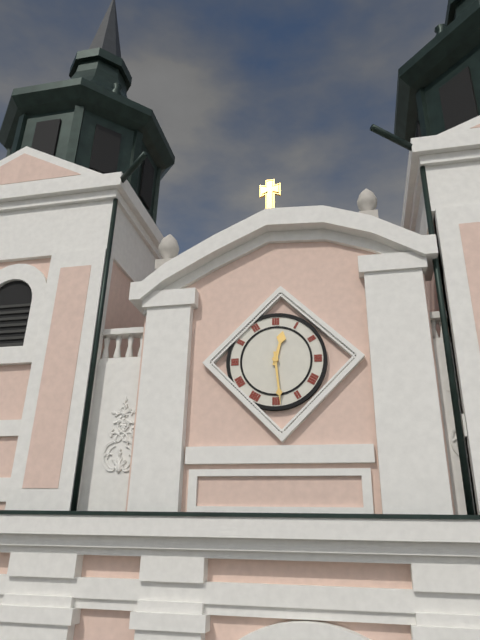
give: {"hour": 12, "minute": 29}
